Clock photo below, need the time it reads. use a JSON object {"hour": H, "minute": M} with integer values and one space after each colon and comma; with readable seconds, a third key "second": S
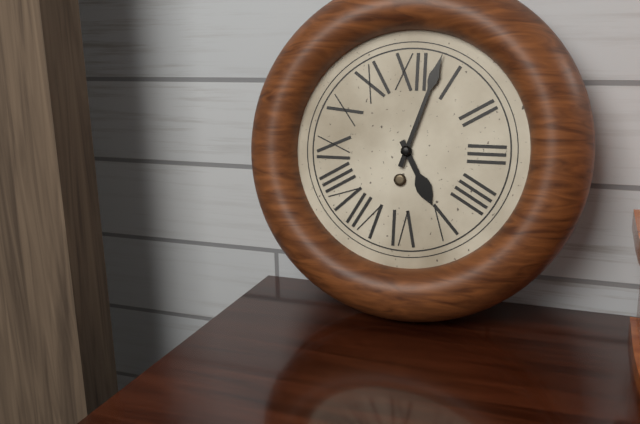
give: {"hour": 5, "minute": 3}
